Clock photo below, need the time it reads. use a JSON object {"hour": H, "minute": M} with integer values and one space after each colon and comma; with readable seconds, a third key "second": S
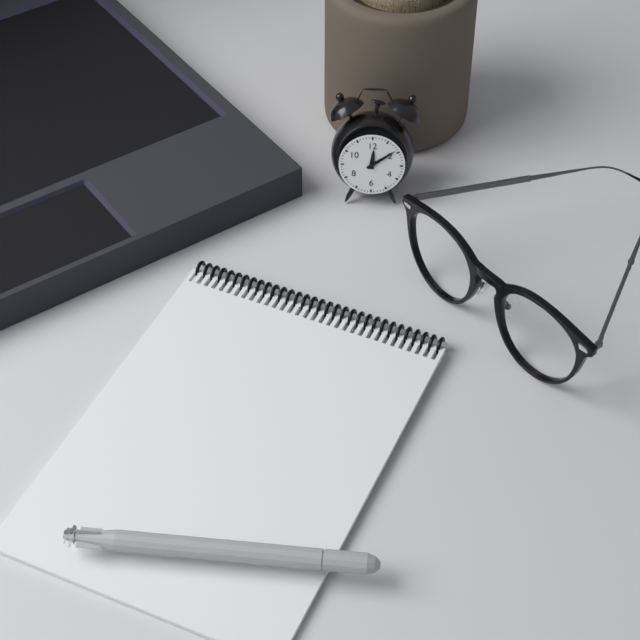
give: {"hour": 12, "minute": 9}
